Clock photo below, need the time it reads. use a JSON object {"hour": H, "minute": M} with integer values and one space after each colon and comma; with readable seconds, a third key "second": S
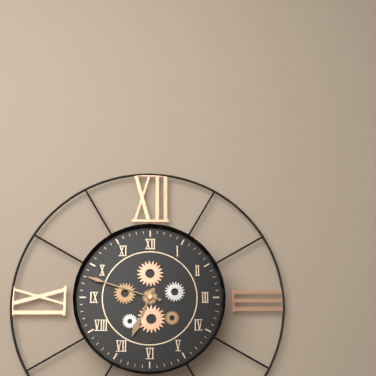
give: {"hour": 6, "minute": 48}
